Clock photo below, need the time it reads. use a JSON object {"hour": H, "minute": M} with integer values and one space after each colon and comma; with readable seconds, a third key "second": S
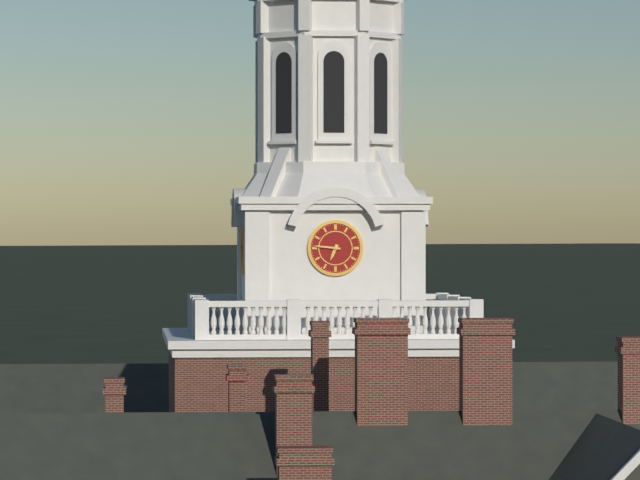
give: {"hour": 6, "minute": 46}
